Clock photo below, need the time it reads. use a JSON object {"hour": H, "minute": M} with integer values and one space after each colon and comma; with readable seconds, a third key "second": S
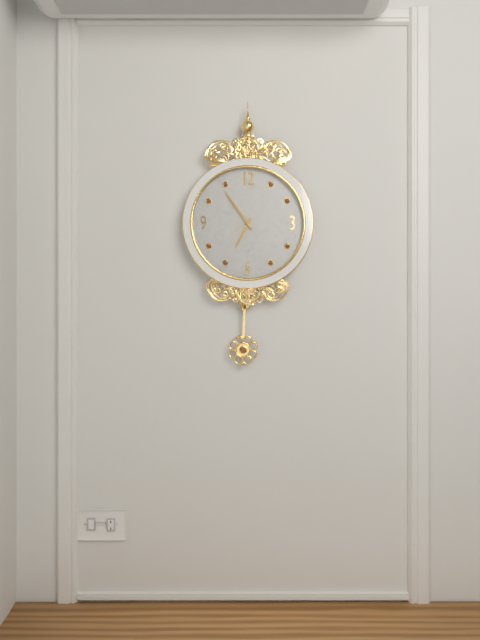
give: {"hour": 6, "minute": 54}
